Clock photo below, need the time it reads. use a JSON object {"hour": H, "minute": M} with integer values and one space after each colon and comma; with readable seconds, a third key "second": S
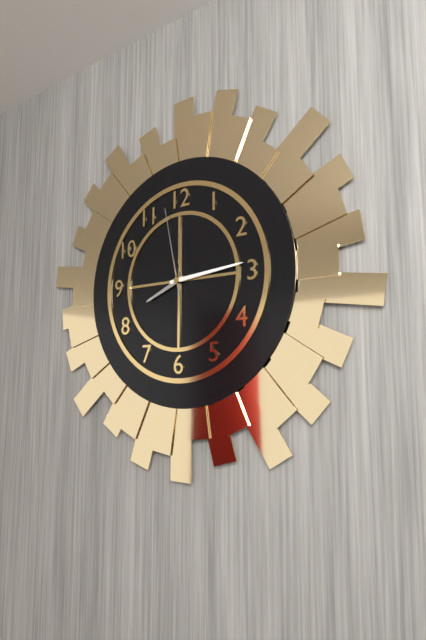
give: {"hour": 8, "minute": 14, "second": 58}
